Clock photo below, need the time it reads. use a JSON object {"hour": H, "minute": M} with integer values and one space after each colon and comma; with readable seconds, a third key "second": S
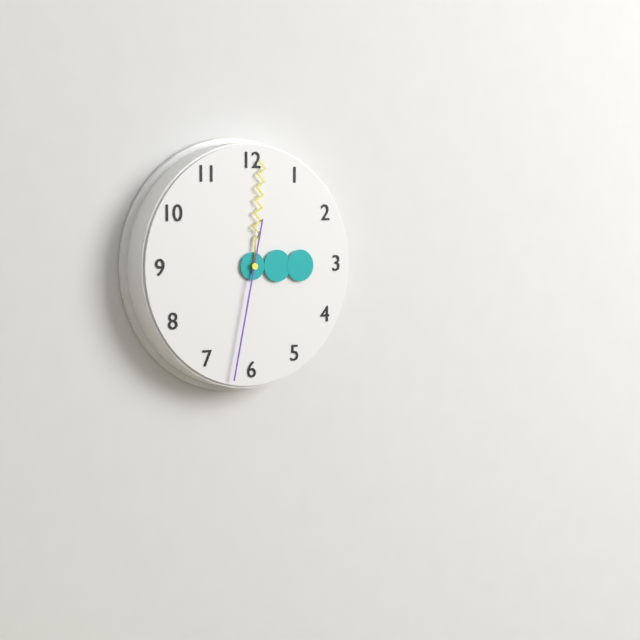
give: {"hour": 3, "minute": 1, "second": 32}
